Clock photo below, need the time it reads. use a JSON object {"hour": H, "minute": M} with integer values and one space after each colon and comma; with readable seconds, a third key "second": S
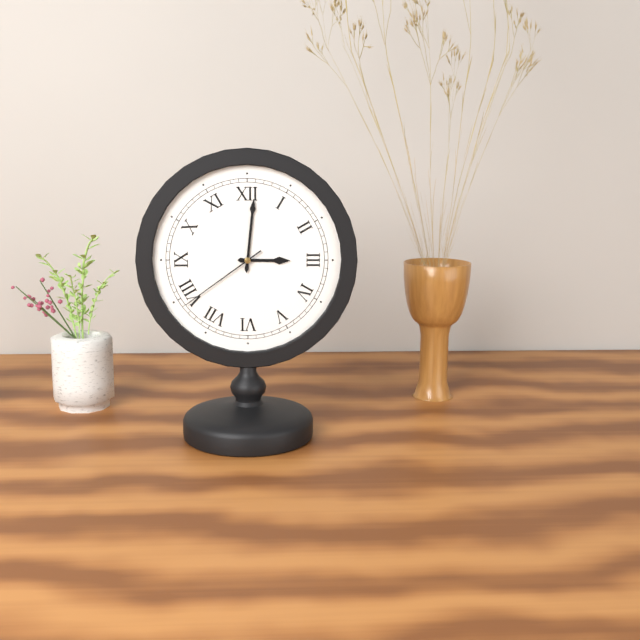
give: {"hour": 3, "minute": 1, "second": 39}
